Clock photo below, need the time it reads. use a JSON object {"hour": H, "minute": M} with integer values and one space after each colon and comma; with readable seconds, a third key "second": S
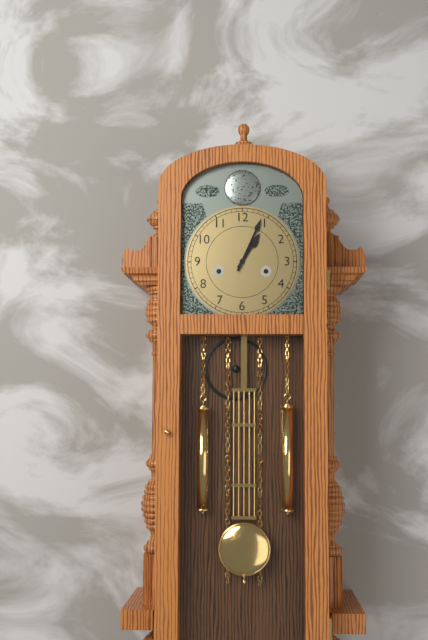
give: {"hour": 1, "minute": 4}
